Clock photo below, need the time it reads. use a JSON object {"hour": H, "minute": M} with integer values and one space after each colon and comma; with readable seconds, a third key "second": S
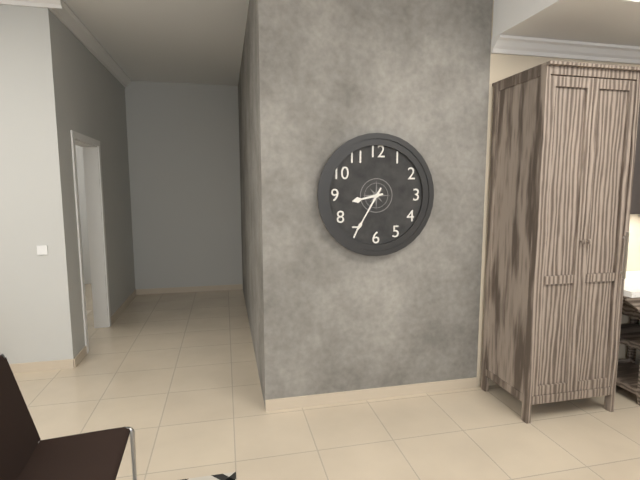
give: {"hour": 8, "minute": 35}
